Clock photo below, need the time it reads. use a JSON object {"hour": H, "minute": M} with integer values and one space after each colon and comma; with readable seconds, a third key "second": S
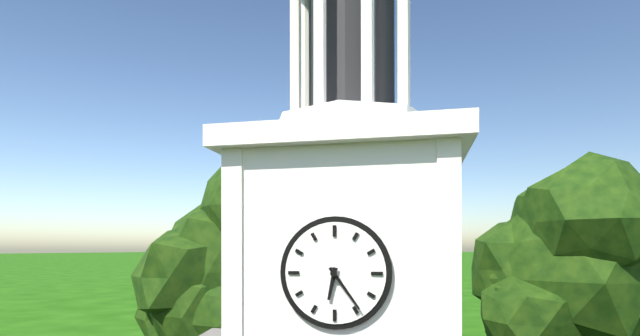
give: {"hour": 6, "minute": 24}
